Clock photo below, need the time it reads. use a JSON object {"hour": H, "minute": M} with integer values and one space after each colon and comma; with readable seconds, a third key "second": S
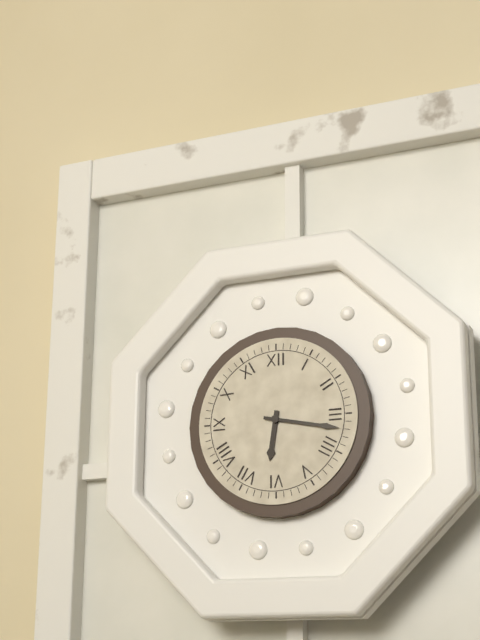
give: {"hour": 6, "minute": 17}
